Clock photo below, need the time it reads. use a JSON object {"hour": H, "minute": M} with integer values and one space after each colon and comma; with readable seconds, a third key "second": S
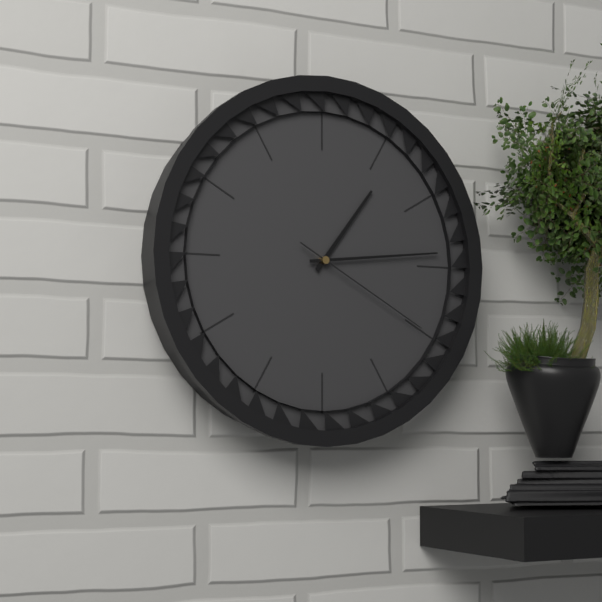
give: {"hour": 1, "minute": 14, "second": 20}
